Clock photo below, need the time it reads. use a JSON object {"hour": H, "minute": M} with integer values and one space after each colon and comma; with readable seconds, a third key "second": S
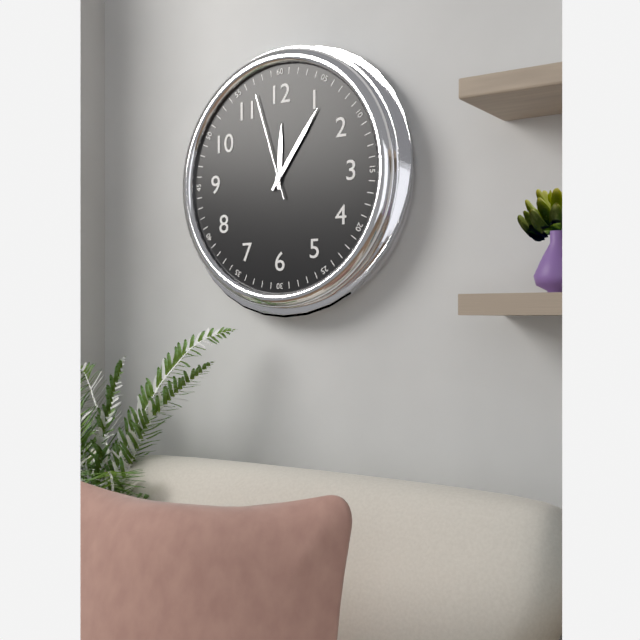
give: {"hour": 12, "minute": 6, "second": 57}
